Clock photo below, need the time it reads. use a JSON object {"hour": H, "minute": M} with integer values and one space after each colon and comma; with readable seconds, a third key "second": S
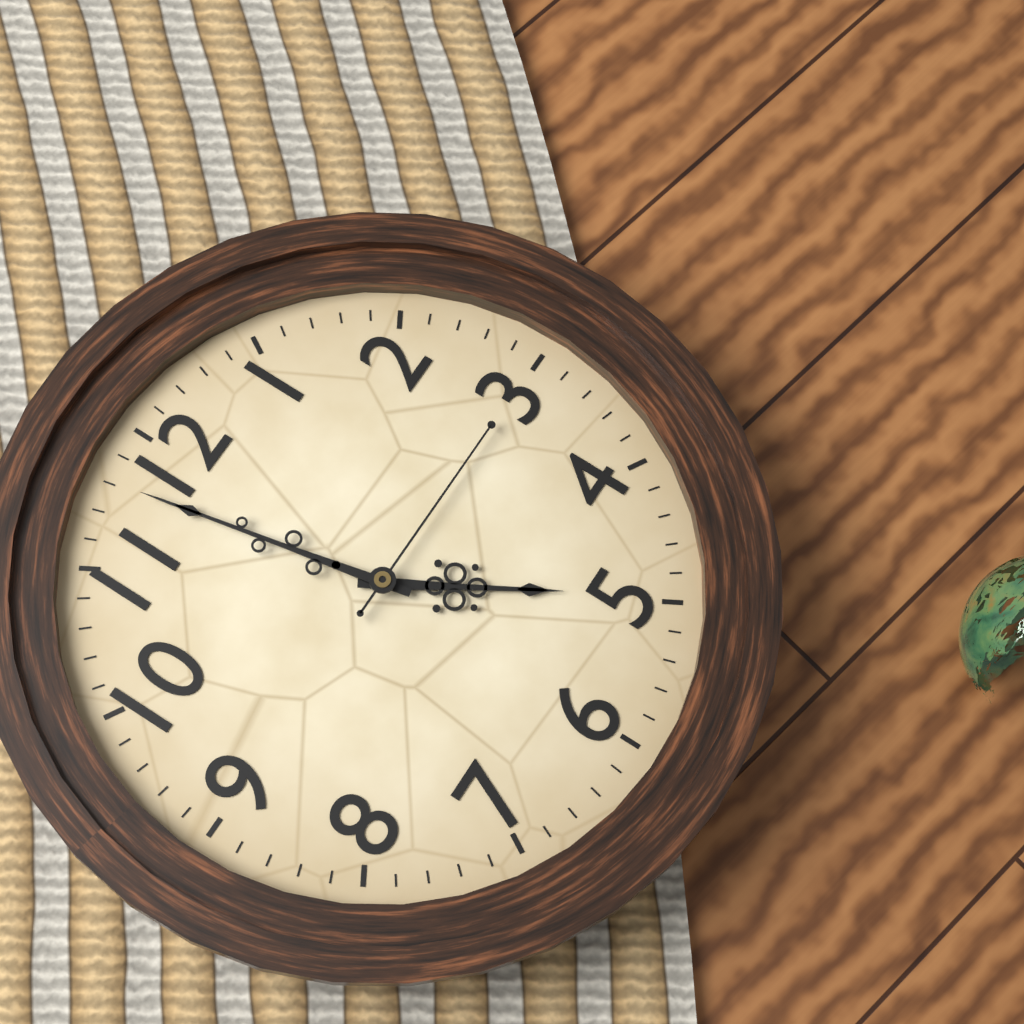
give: {"hour": 4, "minute": 58, "second": 15}
